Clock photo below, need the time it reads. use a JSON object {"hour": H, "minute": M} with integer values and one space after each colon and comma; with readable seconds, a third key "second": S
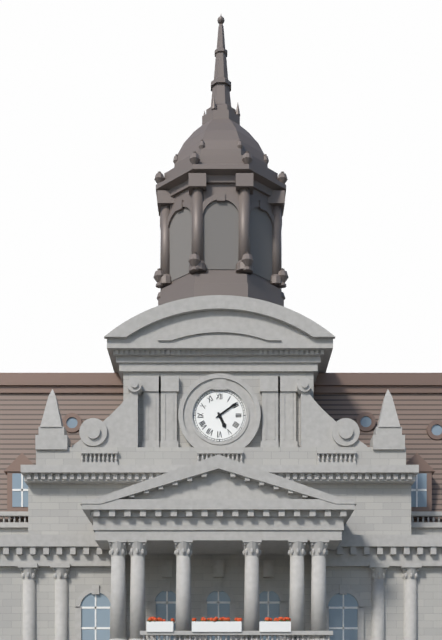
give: {"hour": 5, "minute": 9}
